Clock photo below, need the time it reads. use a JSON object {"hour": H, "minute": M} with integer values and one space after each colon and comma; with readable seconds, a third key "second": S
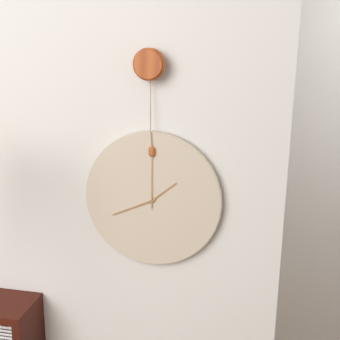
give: {"hour": 1, "minute": 41, "second": 0}
